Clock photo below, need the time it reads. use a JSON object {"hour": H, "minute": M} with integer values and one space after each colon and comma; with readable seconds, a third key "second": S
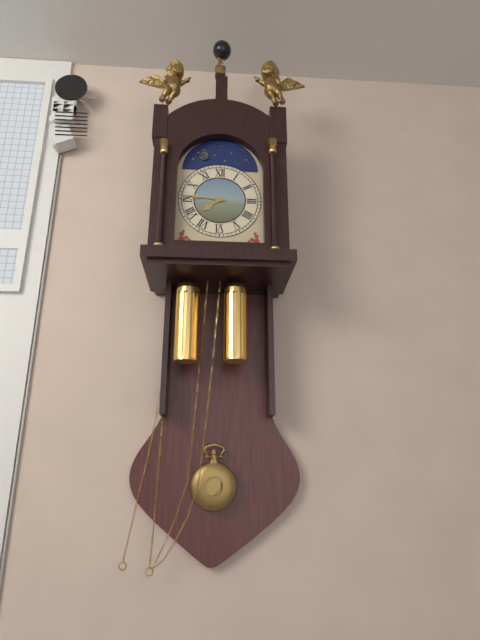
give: {"hour": 7, "minute": 46}
